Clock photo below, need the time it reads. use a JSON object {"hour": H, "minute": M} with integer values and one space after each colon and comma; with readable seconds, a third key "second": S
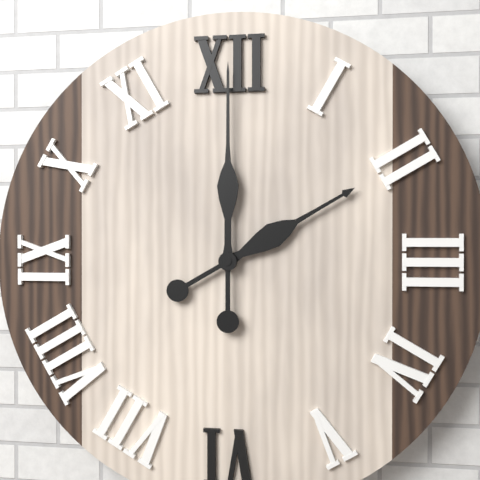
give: {"hour": 2, "minute": 0}
